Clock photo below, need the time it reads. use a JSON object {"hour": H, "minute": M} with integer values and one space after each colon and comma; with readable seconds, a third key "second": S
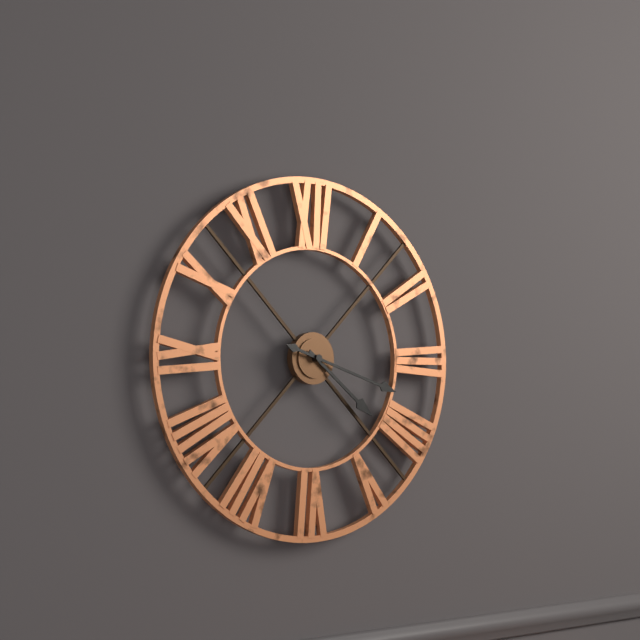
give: {"hour": 4, "minute": 18}
